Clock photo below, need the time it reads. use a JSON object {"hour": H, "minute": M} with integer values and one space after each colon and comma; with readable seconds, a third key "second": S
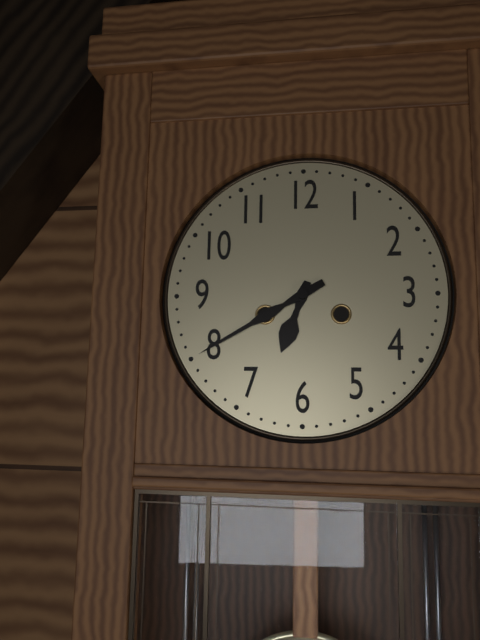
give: {"hour": 6, "minute": 40}
